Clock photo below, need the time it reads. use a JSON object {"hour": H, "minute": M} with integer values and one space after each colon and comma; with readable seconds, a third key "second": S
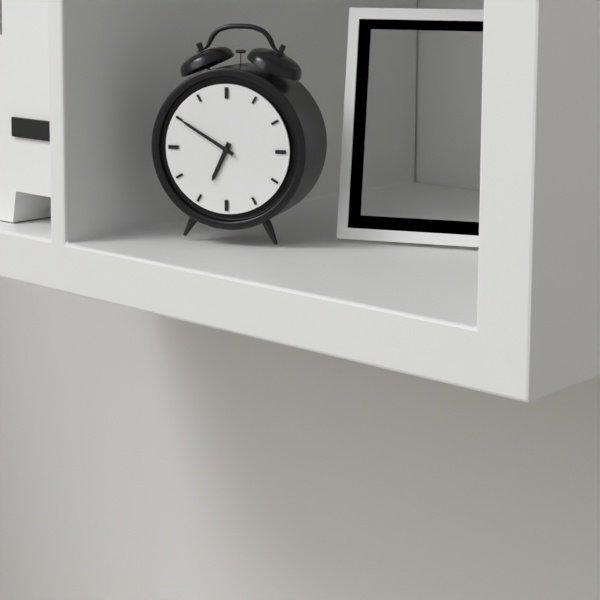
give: {"hour": 6, "minute": 50}
